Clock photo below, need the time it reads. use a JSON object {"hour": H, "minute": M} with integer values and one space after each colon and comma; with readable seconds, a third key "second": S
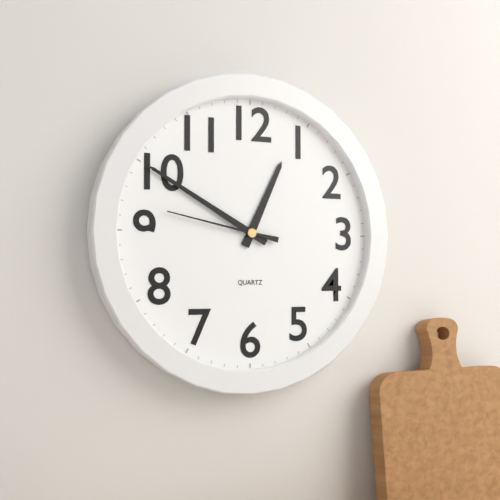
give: {"hour": 12, "minute": 50, "second": 47}
